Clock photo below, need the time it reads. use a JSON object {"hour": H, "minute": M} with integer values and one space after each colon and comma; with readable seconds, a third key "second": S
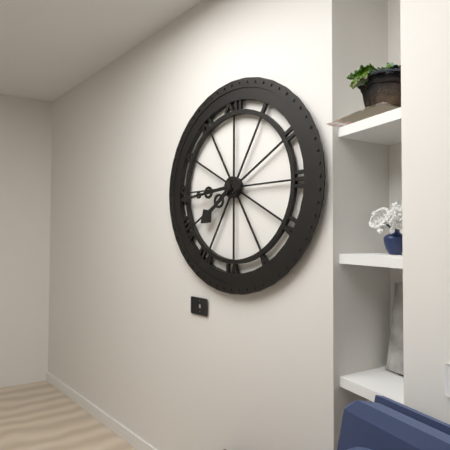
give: {"hour": 7, "minute": 44}
